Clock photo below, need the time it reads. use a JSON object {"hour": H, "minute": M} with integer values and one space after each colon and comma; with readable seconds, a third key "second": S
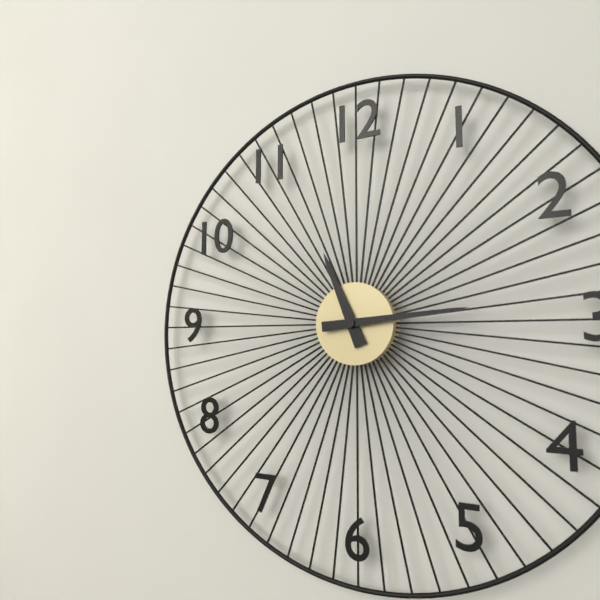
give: {"hour": 11, "minute": 14}
